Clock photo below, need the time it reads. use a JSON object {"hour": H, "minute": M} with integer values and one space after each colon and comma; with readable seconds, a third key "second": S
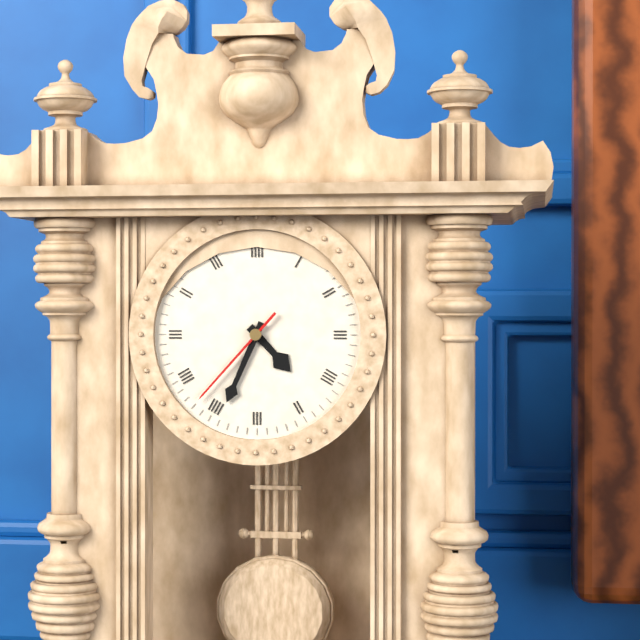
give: {"hour": 4, "minute": 34, "second": 37}
